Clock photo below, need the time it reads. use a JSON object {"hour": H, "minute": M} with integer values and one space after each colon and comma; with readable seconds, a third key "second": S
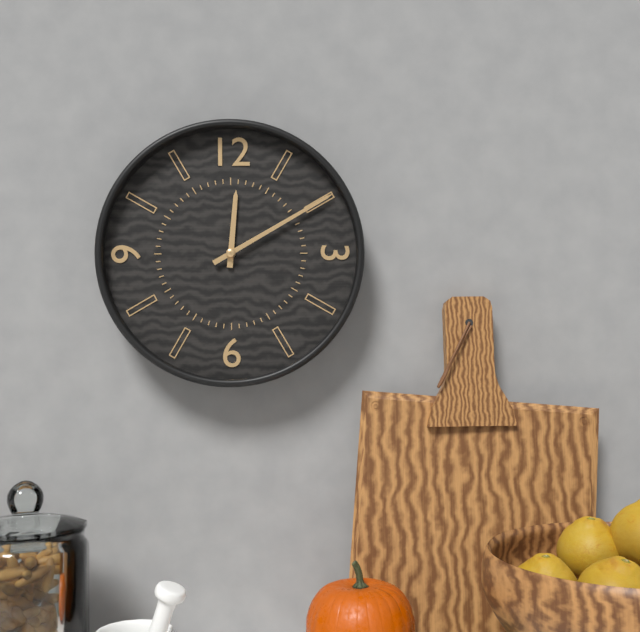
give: {"hour": 12, "minute": 10}
